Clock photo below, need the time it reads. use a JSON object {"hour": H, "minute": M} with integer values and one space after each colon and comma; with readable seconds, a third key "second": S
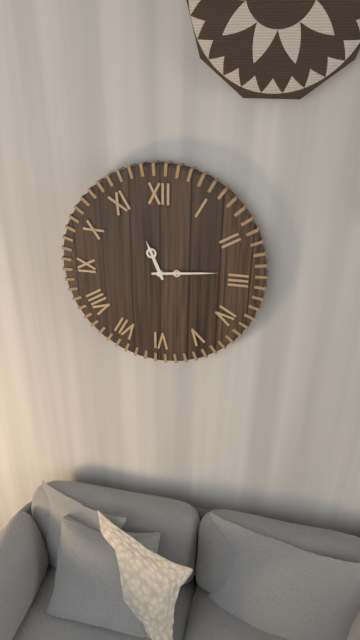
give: {"hour": 11, "minute": 14}
